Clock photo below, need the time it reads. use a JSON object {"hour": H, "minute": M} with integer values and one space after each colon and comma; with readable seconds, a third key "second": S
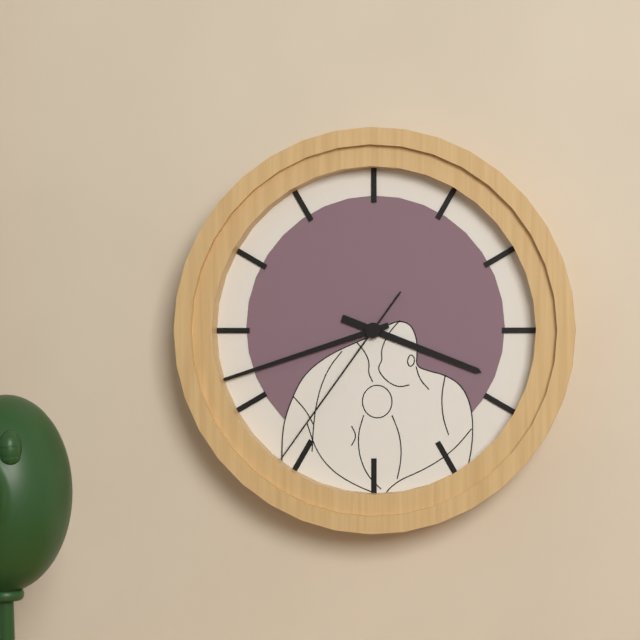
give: {"hour": 3, "minute": 42, "second": 36}
